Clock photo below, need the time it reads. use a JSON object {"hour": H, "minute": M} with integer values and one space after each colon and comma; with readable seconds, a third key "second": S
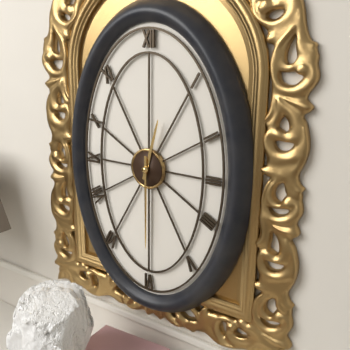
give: {"hour": 12, "minute": 30}
